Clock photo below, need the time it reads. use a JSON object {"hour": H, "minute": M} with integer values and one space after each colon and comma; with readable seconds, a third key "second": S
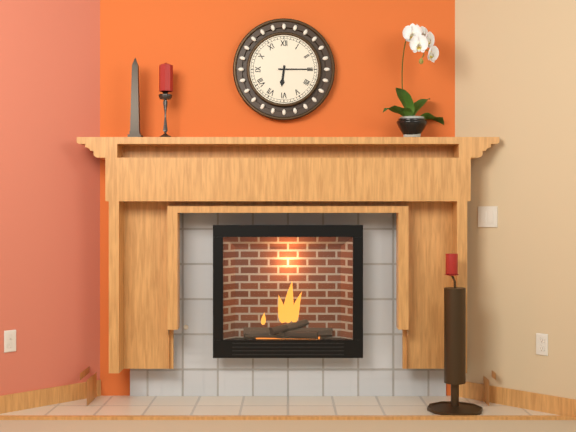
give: {"hour": 6, "minute": 15}
